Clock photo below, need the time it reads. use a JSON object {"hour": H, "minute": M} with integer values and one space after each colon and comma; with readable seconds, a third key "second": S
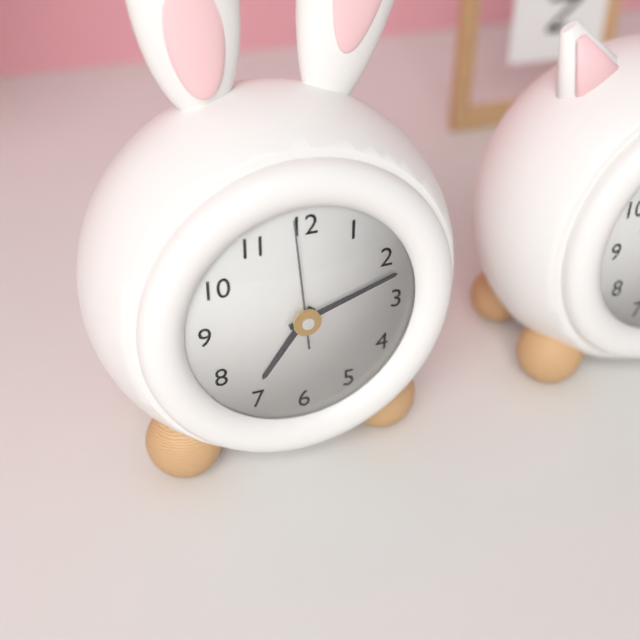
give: {"hour": 7, "minute": 12, "second": 59}
